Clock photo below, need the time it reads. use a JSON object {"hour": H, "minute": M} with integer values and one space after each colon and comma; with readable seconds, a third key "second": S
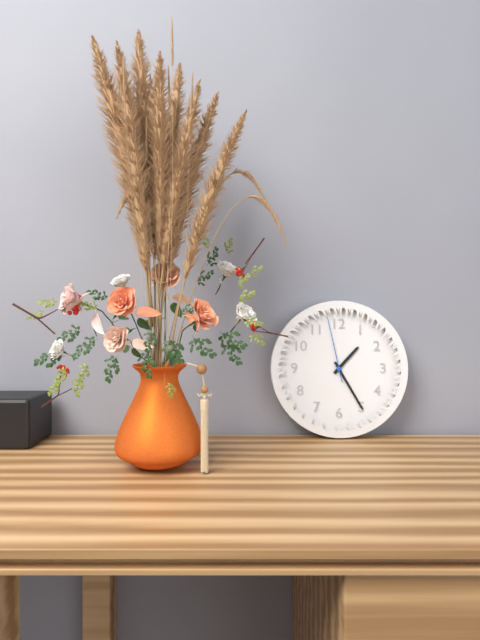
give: {"hour": 1, "minute": 25, "second": 58}
